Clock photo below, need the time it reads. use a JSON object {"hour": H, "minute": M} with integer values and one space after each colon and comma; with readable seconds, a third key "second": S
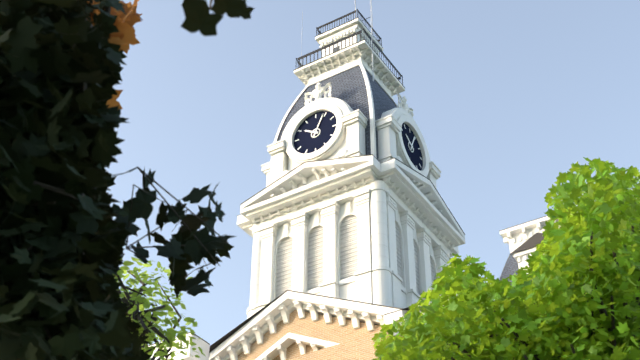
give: {"hour": 10, "minute": 4}
